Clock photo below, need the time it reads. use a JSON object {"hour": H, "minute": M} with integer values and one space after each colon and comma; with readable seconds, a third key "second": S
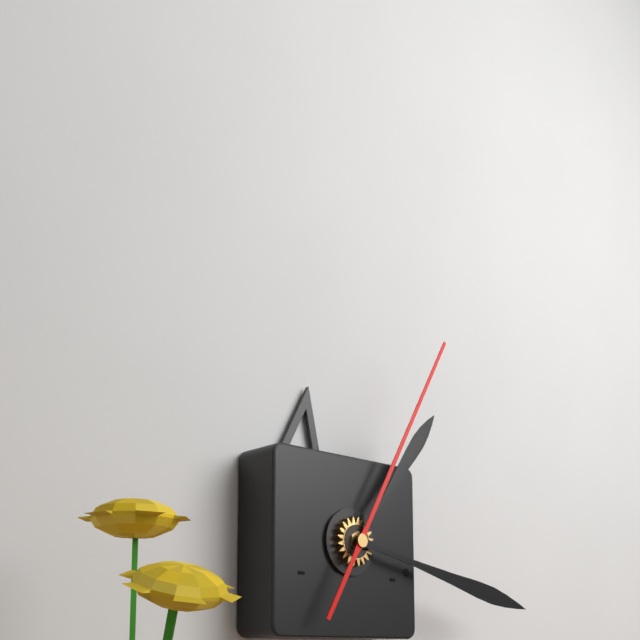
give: {"hour": 1, "minute": 17, "second": 5}
